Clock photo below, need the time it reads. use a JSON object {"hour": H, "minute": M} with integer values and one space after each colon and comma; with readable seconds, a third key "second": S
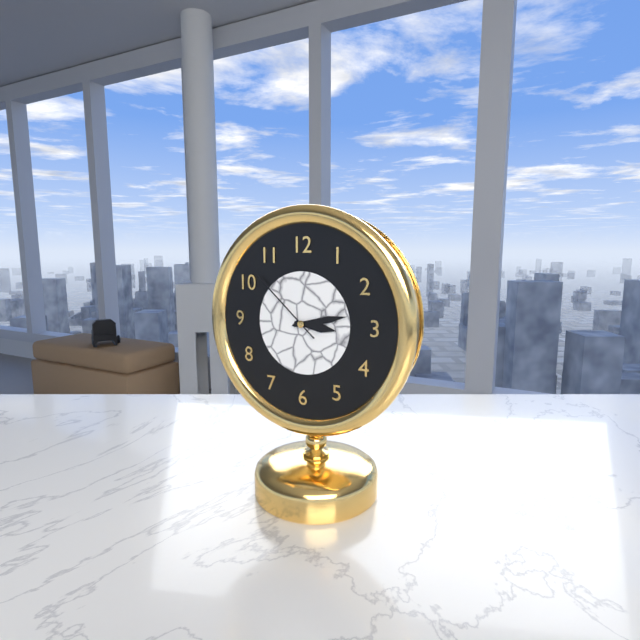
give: {"hour": 3, "minute": 13, "second": 52}
